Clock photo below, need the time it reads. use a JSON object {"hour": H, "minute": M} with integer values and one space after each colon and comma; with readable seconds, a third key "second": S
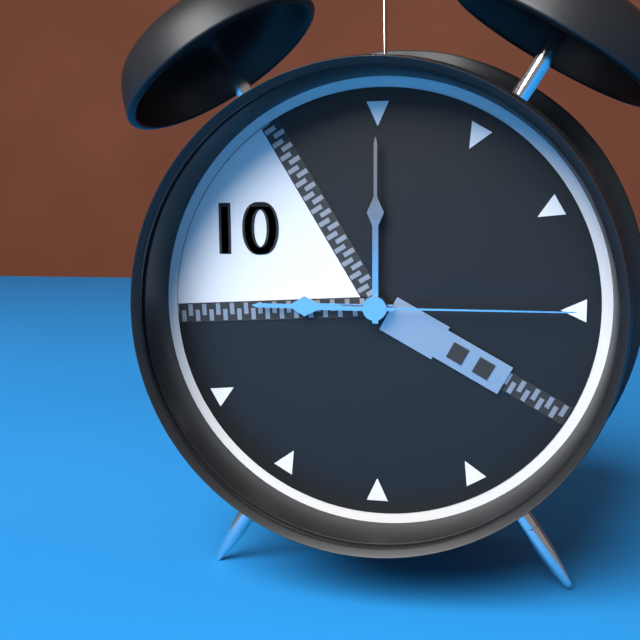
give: {"hour": 9, "minute": 0, "second": 15}
